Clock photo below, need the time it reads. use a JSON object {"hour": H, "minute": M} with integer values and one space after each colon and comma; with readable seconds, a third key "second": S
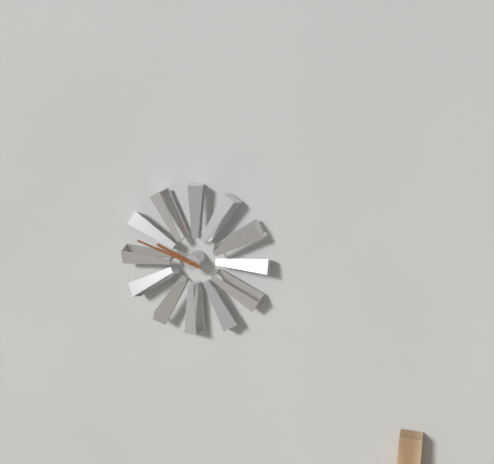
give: {"hour": 9, "minute": 48}
